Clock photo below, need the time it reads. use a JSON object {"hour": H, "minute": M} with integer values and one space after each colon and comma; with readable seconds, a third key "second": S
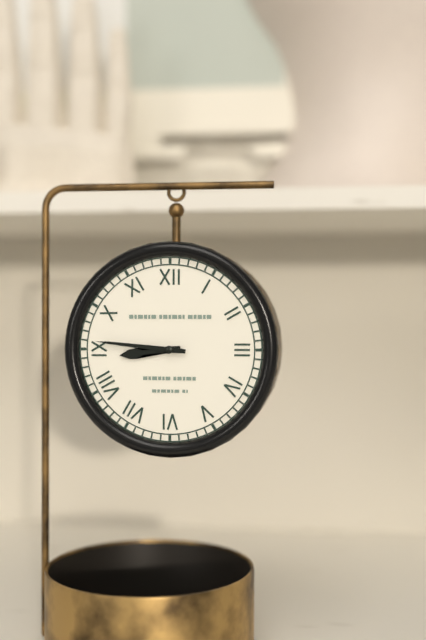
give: {"hour": 8, "minute": 46}
